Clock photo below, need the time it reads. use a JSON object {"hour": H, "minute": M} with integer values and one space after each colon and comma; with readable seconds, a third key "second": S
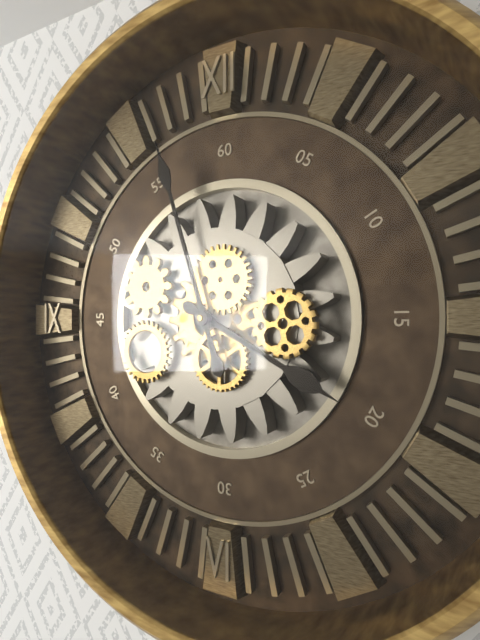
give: {"hour": 3, "minute": 57}
